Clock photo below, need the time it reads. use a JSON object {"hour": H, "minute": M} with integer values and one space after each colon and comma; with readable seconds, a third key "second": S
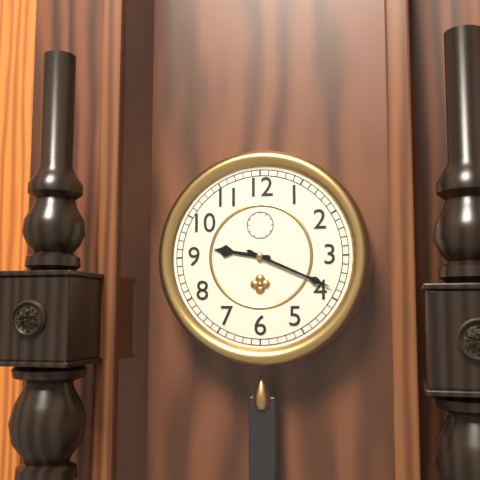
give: {"hour": 9, "minute": 19}
